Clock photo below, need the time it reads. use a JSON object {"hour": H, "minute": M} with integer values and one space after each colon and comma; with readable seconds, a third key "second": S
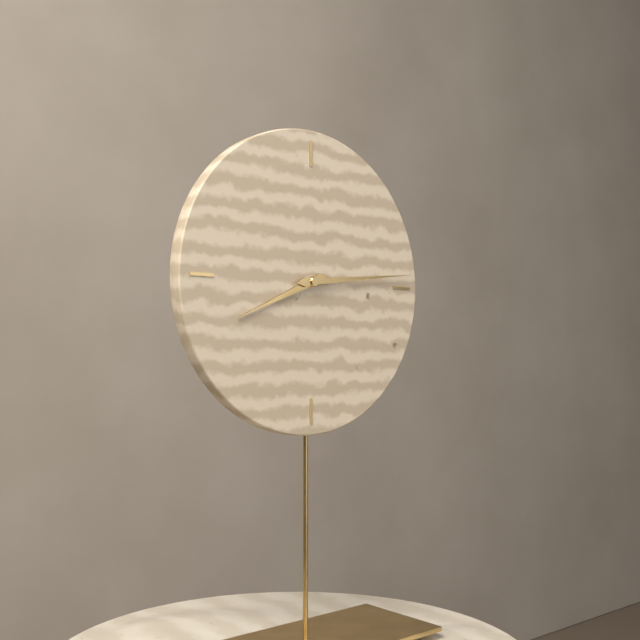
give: {"hour": 8, "minute": 14}
